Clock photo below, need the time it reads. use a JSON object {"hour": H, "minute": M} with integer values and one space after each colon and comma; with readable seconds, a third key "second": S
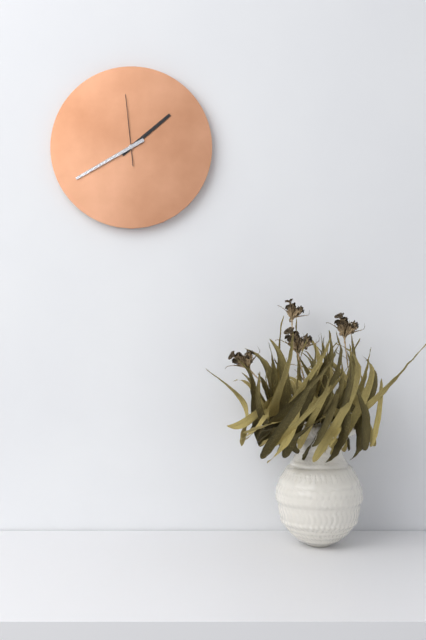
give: {"hour": 1, "minute": 40, "second": 59}
